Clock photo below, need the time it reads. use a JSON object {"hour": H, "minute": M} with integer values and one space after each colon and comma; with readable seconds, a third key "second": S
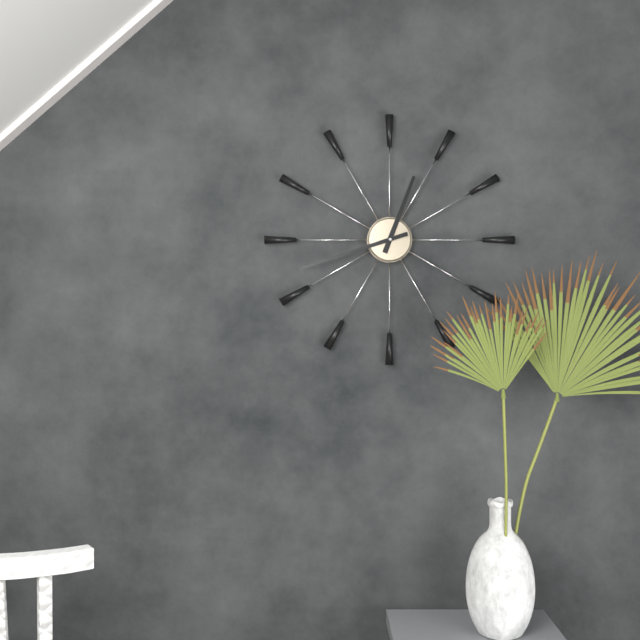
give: {"hour": 12, "minute": 42}
